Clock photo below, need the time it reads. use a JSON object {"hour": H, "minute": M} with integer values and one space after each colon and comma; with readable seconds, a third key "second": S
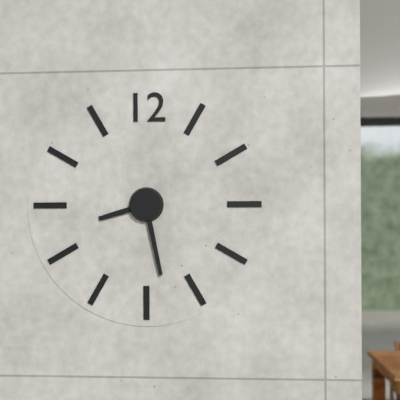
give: {"hour": 8, "minute": 28}
